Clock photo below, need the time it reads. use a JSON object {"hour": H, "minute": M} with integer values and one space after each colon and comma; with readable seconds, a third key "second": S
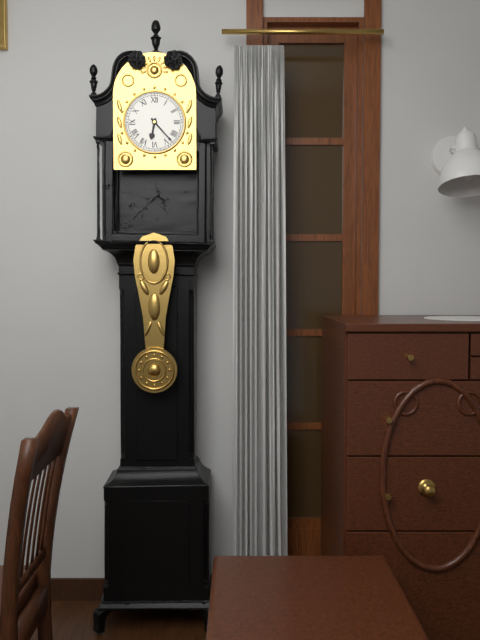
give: {"hour": 6, "minute": 23}
